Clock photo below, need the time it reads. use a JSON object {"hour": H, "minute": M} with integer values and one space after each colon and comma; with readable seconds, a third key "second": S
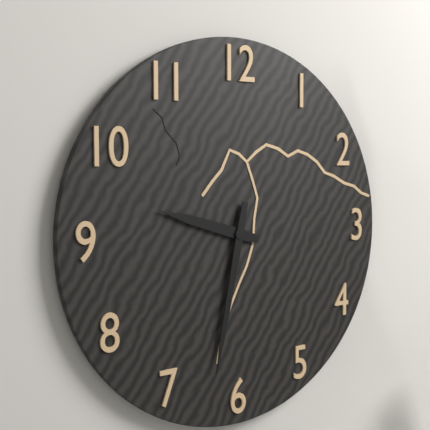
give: {"hour": 9, "minute": 32}
